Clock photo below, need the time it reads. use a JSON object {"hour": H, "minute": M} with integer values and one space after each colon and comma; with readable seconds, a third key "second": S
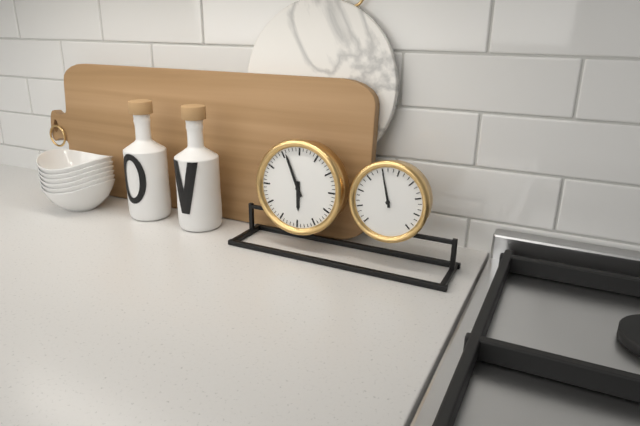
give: {"hour": 5, "minute": 56}
